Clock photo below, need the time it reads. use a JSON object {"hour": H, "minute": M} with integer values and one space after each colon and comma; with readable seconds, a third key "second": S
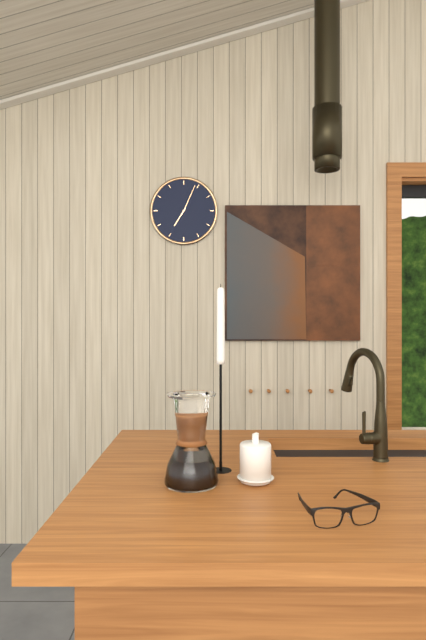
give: {"hour": 7, "minute": 4}
